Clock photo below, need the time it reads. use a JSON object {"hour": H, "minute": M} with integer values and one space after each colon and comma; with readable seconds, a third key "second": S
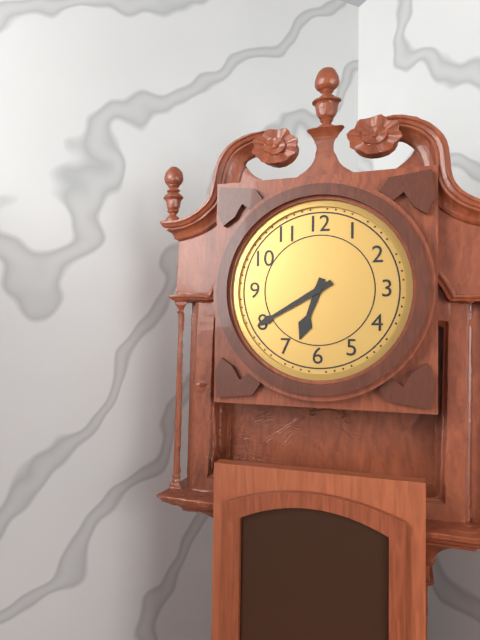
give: {"hour": 6, "minute": 40}
